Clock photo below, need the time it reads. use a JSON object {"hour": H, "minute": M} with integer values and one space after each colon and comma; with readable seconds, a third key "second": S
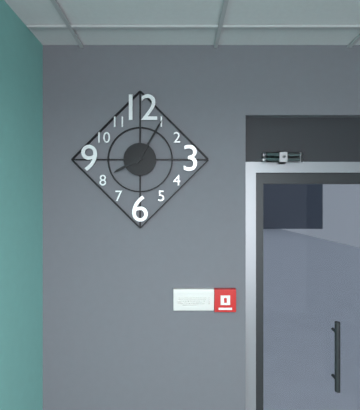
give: {"hour": 8, "minute": 5}
